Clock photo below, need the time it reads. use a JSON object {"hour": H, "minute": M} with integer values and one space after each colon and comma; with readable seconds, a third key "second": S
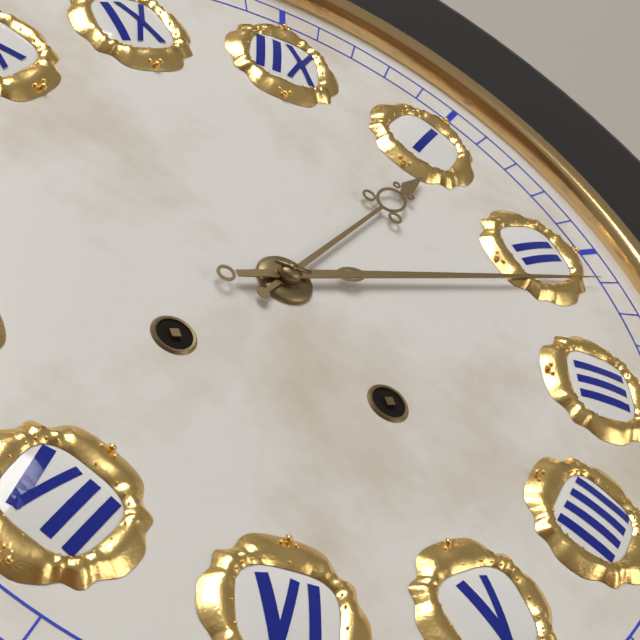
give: {"hour": 1, "minute": 11}
